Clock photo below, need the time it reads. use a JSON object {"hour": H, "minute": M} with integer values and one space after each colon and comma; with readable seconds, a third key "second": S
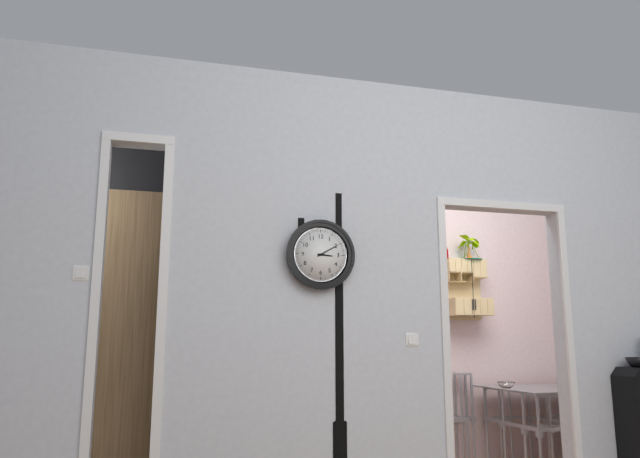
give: {"hour": 3, "minute": 10}
